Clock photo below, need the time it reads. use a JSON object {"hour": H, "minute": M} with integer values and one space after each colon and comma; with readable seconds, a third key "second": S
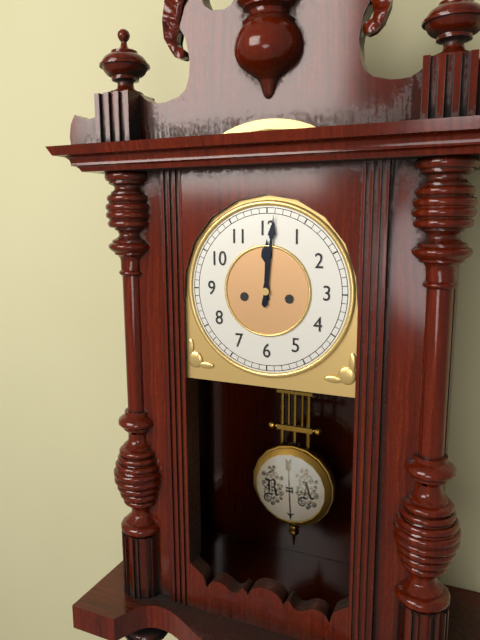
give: {"hour": 12, "minute": 1}
